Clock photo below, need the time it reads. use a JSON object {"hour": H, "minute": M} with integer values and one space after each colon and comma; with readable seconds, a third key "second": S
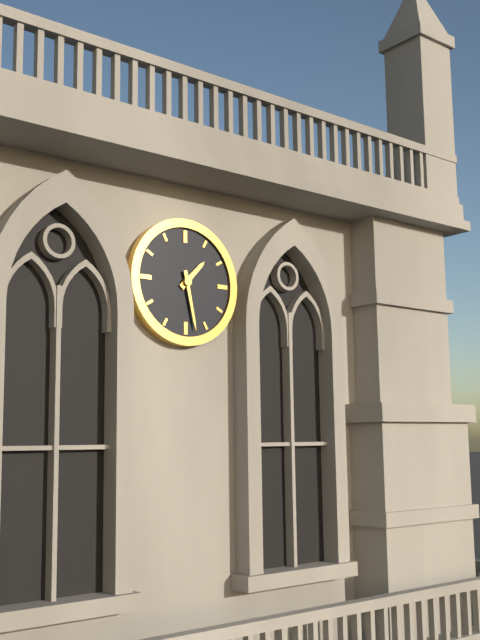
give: {"hour": 1, "minute": 28}
